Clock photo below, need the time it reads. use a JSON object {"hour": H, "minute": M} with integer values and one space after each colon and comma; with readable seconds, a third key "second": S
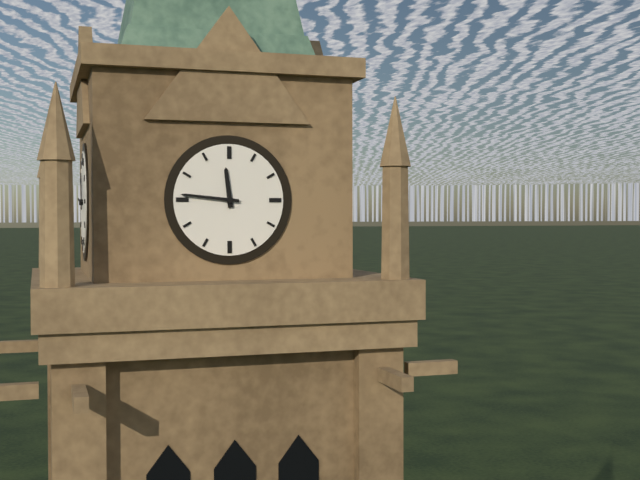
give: {"hour": 11, "minute": 46}
